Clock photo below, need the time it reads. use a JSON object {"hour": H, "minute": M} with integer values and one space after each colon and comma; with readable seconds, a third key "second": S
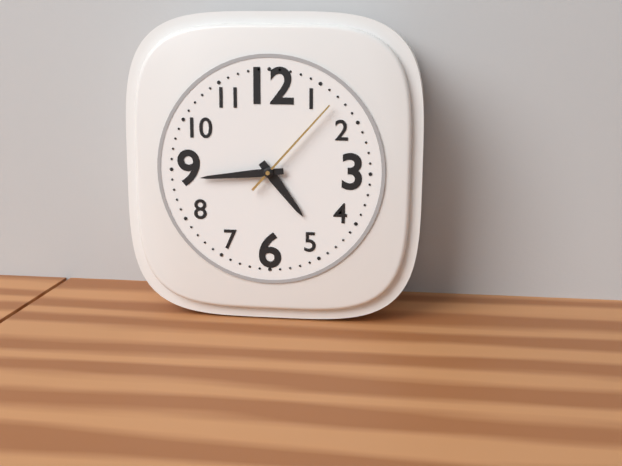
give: {"hour": 4, "minute": 44, "second": 7}
